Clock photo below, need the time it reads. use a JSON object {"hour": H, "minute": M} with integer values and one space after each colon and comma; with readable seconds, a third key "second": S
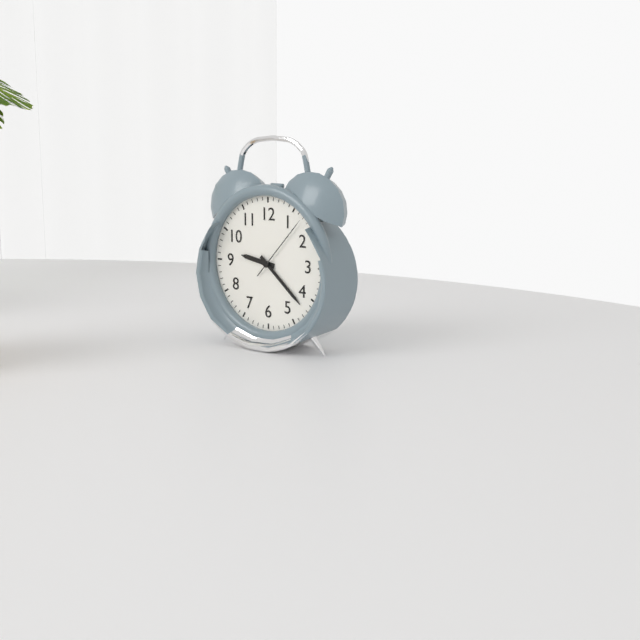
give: {"hour": 9, "minute": 22, "second": 7}
